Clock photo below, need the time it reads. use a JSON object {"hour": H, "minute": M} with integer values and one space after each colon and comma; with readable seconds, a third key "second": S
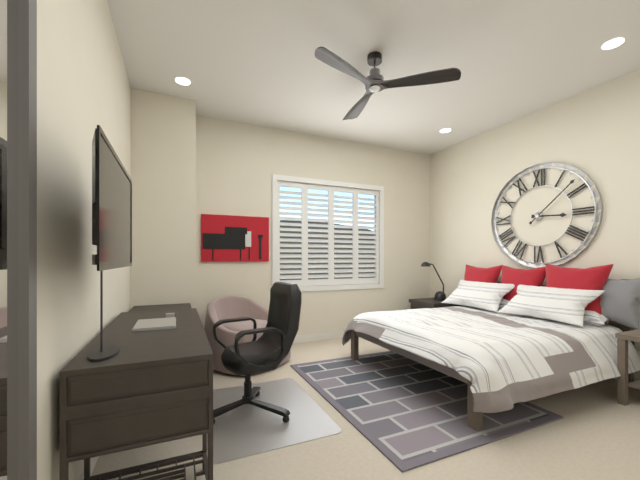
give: {"hour": 3, "minute": 8}
